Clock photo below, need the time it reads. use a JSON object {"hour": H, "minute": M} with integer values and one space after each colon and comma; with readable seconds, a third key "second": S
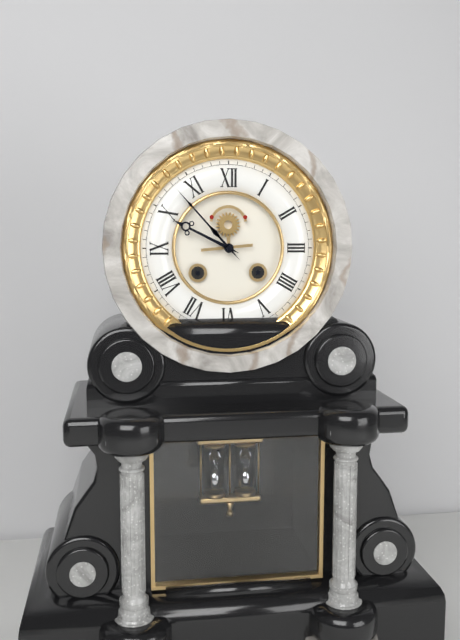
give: {"hour": 9, "minute": 53}
